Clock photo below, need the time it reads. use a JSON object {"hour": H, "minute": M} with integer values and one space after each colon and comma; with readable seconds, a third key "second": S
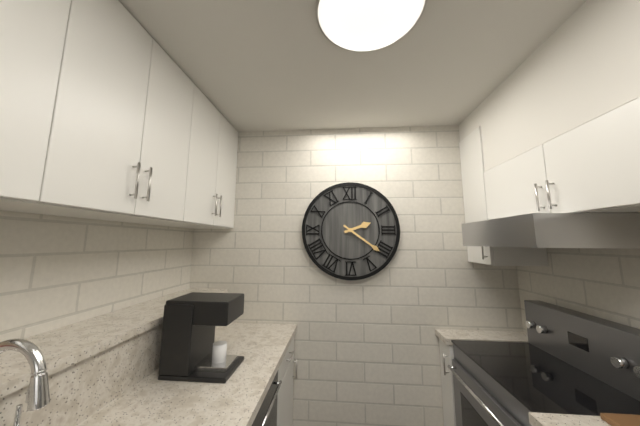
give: {"hour": 2, "minute": 21}
